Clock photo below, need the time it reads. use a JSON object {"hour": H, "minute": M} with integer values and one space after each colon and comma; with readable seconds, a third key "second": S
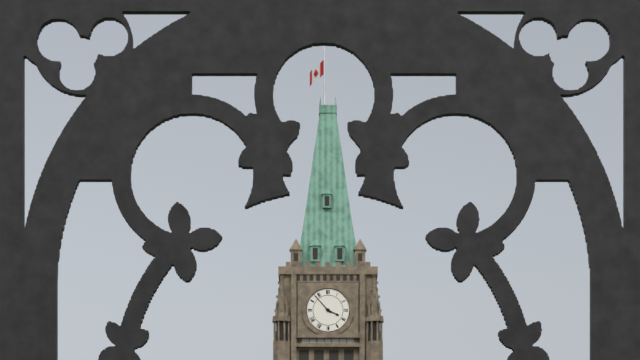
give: {"hour": 3, "minute": 53}
